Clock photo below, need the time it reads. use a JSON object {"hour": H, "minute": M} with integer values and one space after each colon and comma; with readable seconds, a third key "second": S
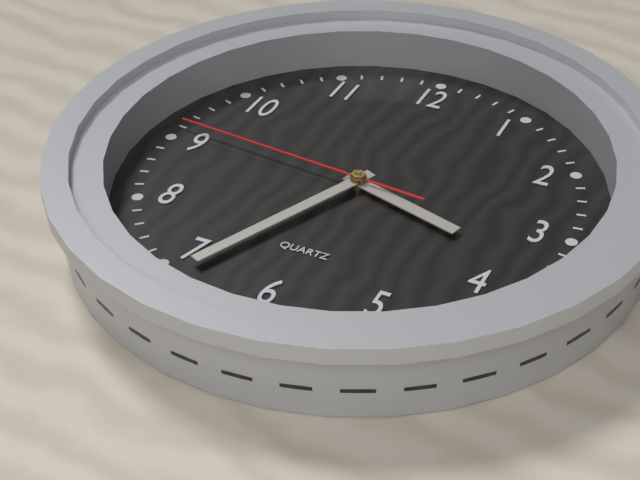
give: {"hour": 3, "minute": 34, "second": 46}
